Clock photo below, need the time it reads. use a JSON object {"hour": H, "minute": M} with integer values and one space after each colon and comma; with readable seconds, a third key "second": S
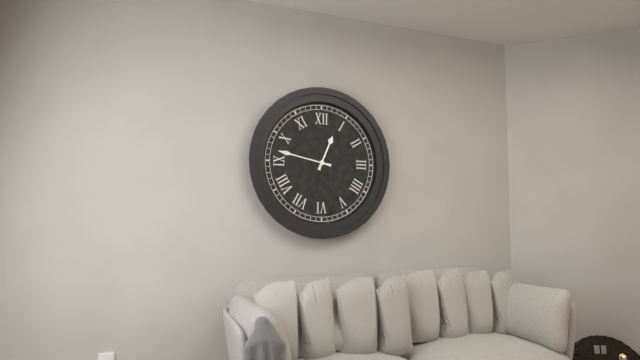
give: {"hour": 12, "minute": 47}
